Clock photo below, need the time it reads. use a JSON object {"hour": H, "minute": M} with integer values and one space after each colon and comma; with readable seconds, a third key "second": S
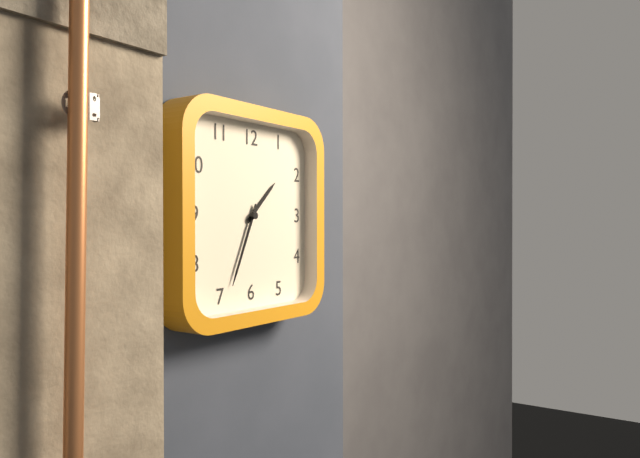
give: {"hour": 1, "minute": 34}
